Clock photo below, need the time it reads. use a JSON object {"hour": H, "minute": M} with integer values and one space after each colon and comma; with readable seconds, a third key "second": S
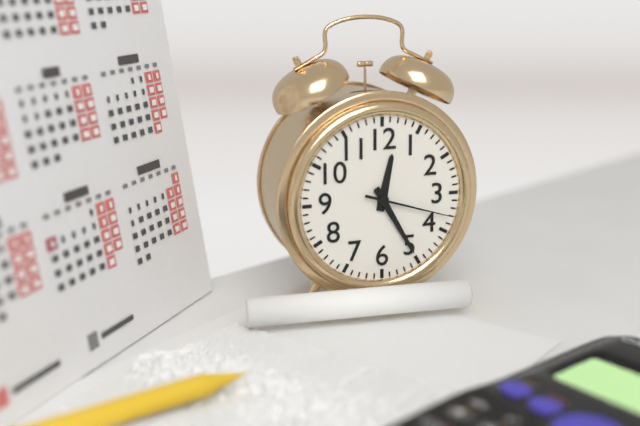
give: {"hour": 12, "minute": 25, "second": 18}
